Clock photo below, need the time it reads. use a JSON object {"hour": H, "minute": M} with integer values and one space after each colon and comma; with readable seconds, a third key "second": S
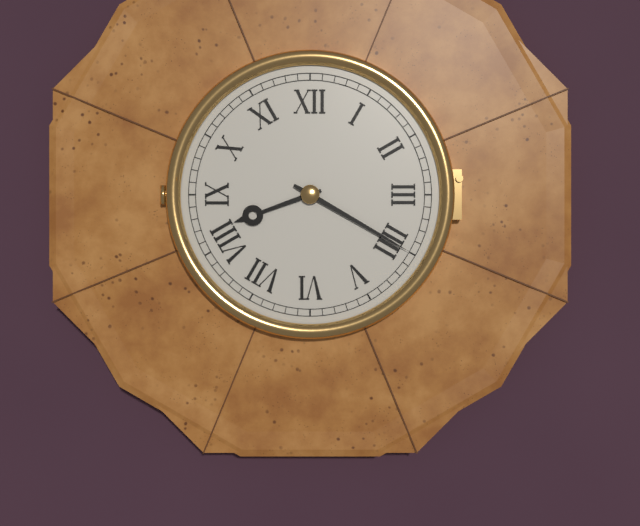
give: {"hour": 8, "minute": 20}
